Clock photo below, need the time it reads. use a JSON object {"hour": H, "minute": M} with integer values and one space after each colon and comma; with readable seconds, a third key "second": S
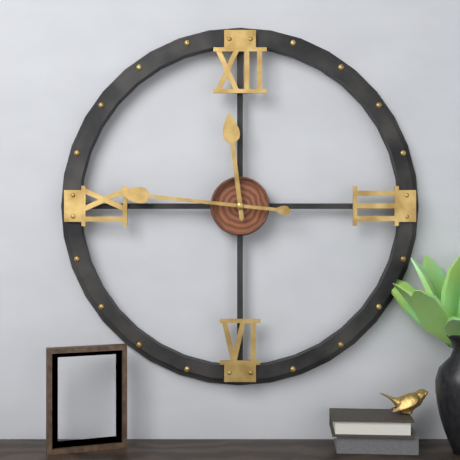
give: {"hour": 11, "minute": 46}
